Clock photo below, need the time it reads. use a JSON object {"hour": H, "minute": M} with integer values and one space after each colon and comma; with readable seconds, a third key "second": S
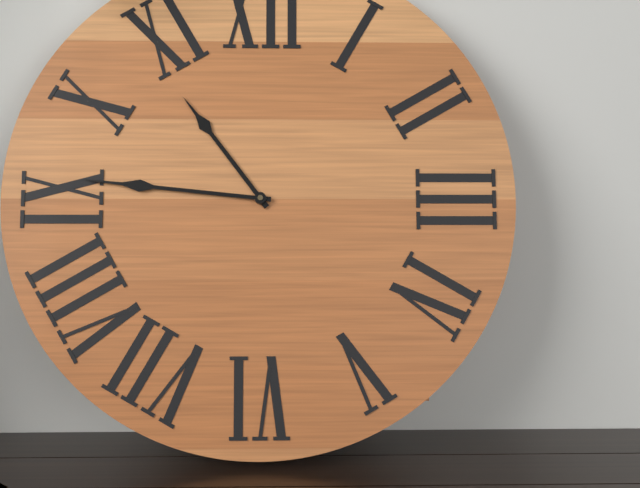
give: {"hour": 10, "minute": 46}
